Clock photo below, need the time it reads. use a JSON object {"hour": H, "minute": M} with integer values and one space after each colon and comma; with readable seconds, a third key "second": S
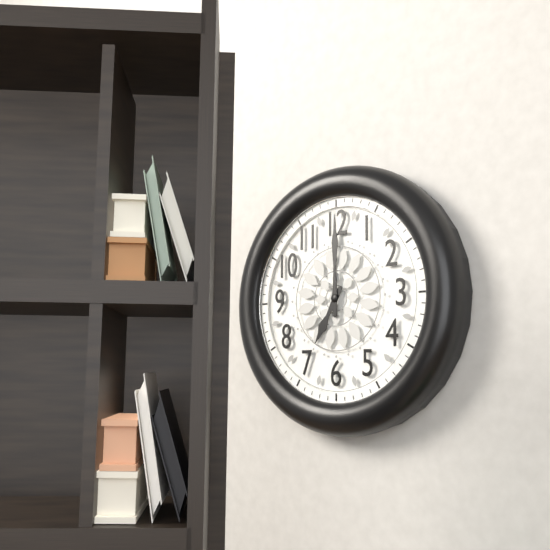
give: {"hour": 7, "minute": 0}
